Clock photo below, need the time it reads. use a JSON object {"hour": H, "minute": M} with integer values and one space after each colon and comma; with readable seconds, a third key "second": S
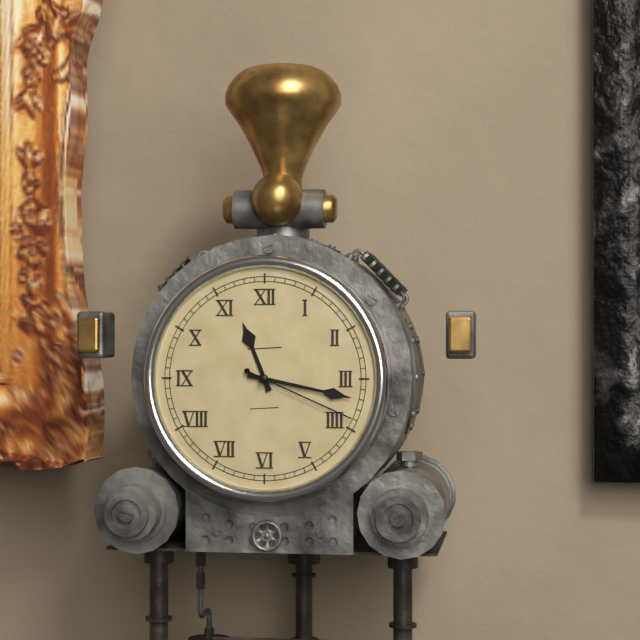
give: {"hour": 11, "minute": 17, "second": 19}
